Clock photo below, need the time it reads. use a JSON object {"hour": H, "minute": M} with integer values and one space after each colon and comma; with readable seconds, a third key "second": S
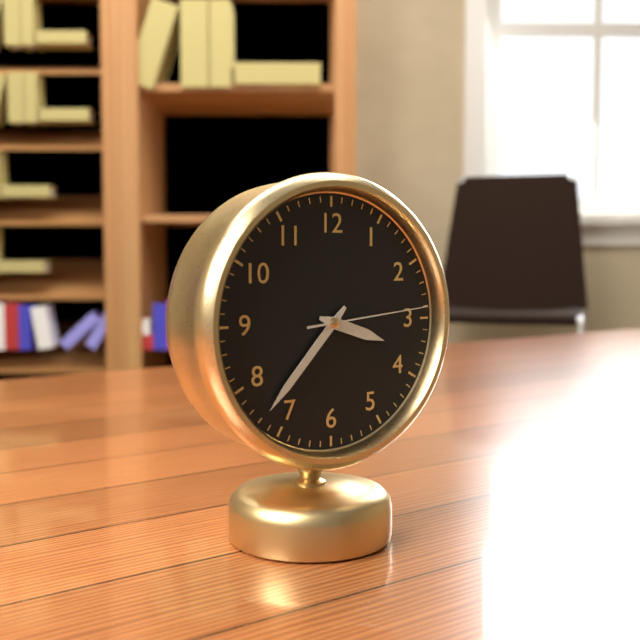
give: {"hour": 3, "minute": 37, "second": 14}
